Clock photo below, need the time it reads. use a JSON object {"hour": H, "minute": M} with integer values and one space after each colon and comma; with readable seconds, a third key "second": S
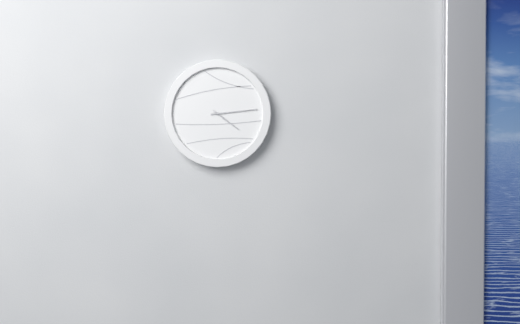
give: {"hour": 4, "minute": 14}
